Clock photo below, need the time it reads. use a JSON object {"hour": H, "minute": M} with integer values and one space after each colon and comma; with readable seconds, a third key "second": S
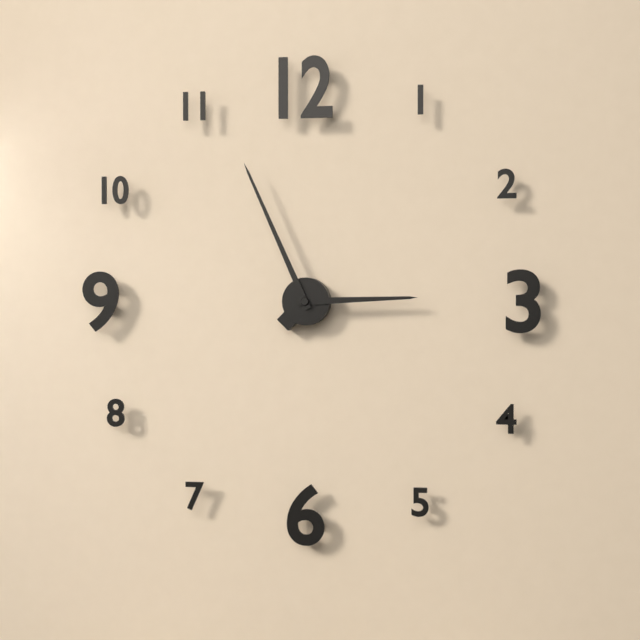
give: {"hour": 2, "minute": 56}
